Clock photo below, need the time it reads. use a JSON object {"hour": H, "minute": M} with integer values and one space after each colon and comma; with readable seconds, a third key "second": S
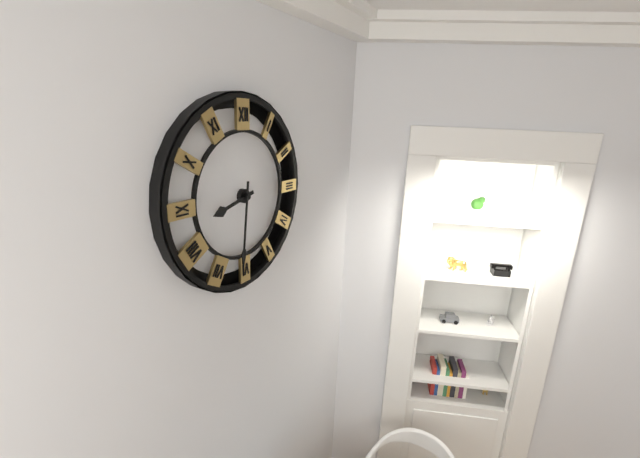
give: {"hour": 8, "minute": 31}
